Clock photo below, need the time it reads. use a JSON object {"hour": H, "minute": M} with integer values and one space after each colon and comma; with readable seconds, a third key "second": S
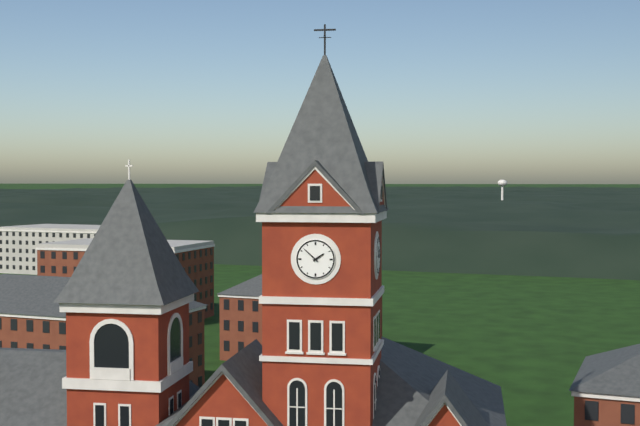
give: {"hour": 1, "minute": 52}
